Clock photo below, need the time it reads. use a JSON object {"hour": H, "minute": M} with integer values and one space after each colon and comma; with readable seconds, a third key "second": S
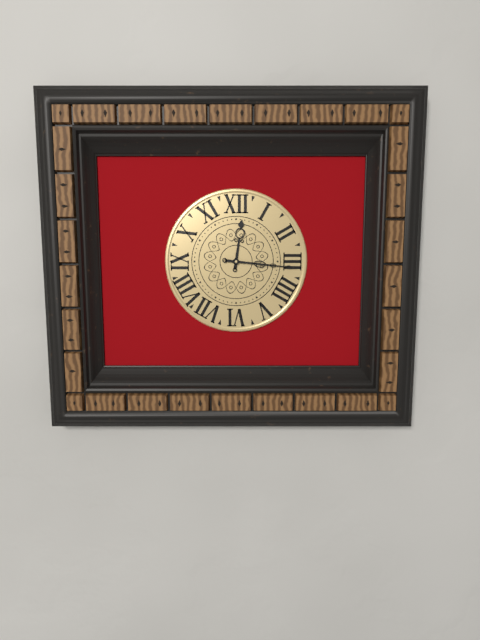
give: {"hour": 12, "minute": 16}
